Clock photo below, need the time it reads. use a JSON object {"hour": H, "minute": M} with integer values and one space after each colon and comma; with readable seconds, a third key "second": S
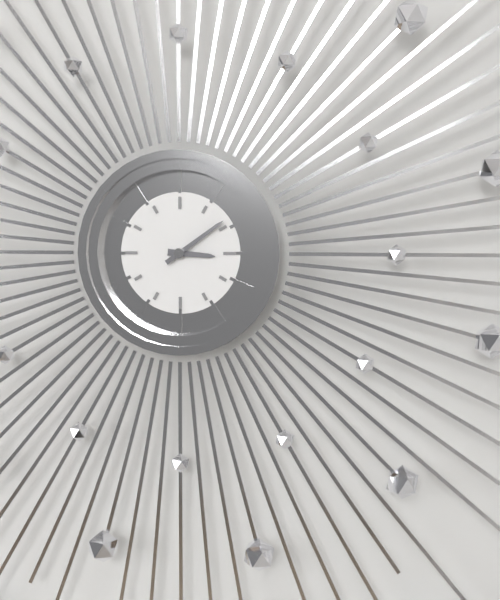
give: {"hour": 3, "minute": 9}
